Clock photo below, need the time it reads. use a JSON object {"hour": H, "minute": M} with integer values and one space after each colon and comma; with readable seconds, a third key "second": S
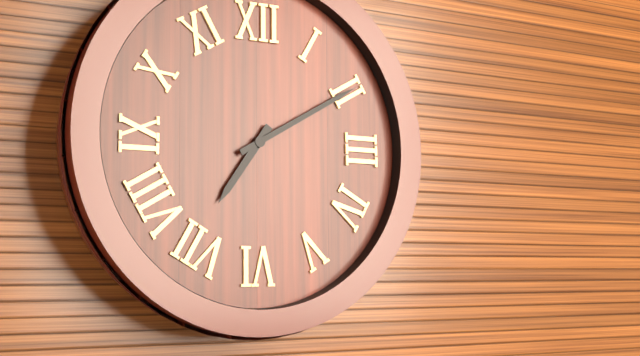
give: {"hour": 7, "minute": 10}
